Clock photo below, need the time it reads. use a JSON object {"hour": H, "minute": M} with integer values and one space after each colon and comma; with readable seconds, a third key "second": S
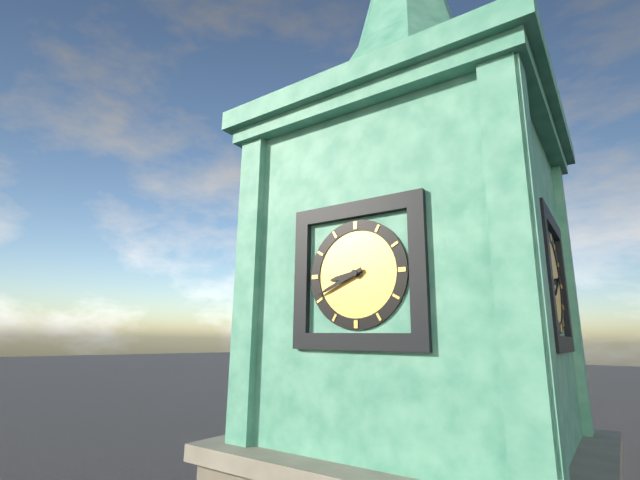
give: {"hour": 8, "minute": 41}
